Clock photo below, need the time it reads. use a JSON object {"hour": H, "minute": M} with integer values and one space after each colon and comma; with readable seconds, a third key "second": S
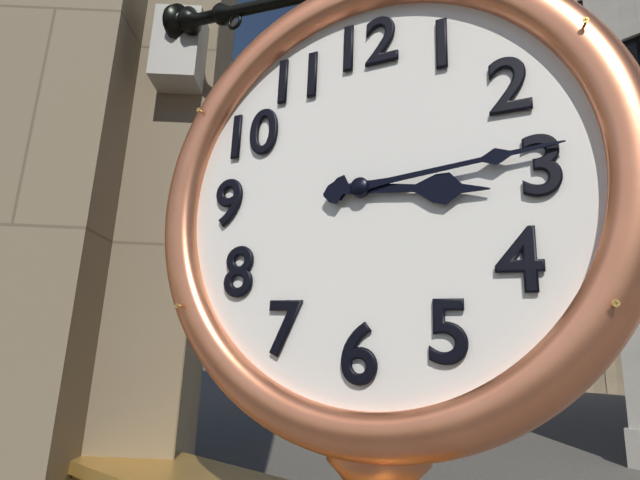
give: {"hour": 3, "minute": 14}
